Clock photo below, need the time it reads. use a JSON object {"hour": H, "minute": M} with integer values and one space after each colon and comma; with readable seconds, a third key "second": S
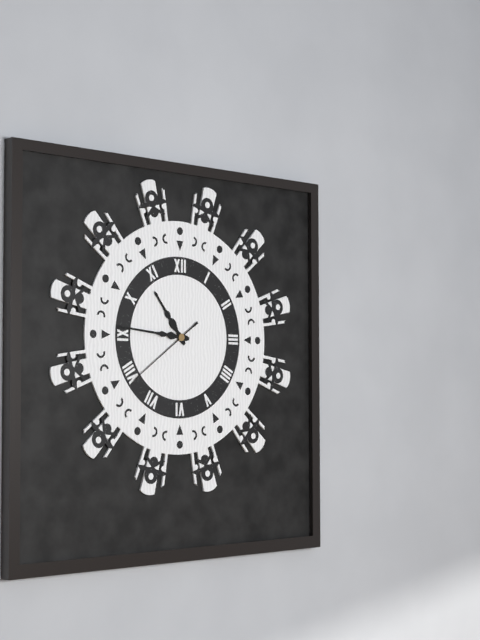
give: {"hour": 10, "minute": 46, "second": 39}
